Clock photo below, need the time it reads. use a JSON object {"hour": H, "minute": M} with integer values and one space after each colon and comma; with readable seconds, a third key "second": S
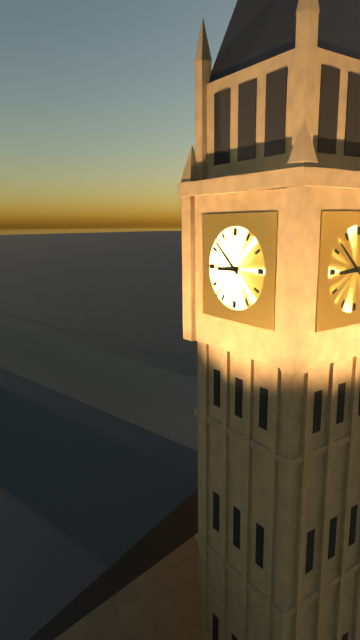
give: {"hour": 8, "minute": 52}
